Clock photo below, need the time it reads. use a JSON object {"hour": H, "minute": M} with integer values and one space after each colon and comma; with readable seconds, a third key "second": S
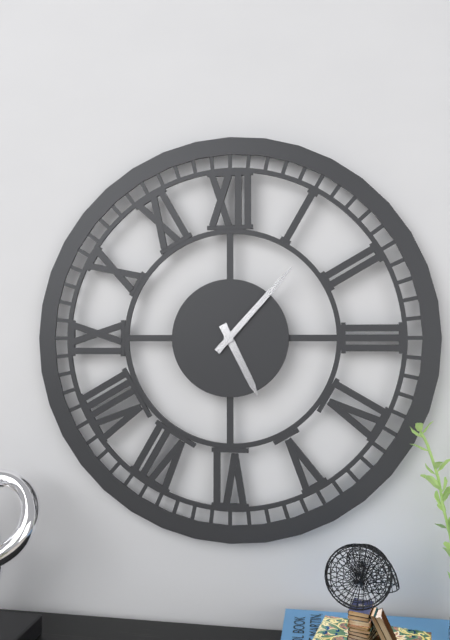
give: {"hour": 5, "minute": 7}
